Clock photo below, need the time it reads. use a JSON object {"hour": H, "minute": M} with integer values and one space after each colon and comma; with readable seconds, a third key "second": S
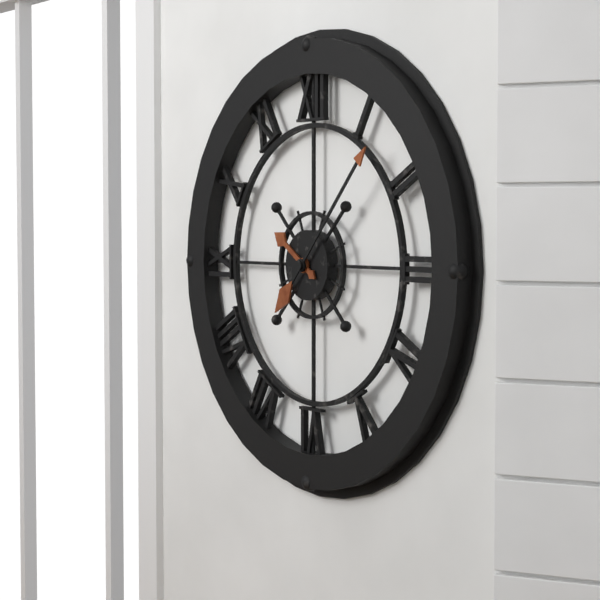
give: {"hour": 10, "minute": 7}
